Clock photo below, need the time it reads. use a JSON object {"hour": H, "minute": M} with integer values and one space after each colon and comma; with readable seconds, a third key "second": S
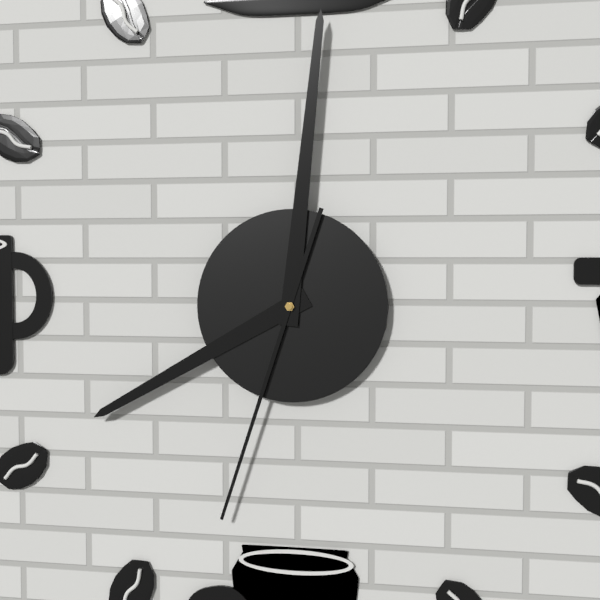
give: {"hour": 8, "minute": 1, "second": 33}
